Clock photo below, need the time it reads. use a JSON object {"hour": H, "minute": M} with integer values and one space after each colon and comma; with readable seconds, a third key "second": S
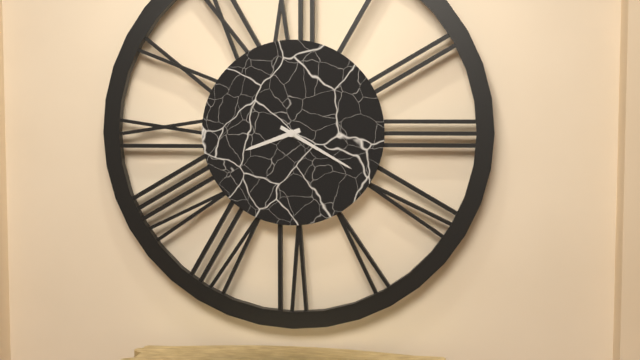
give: {"hour": 8, "minute": 20}
